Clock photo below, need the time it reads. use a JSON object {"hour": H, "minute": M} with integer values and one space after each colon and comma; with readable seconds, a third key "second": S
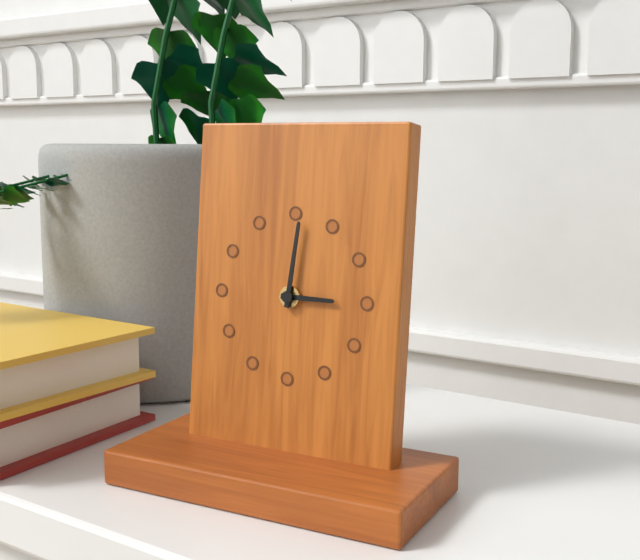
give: {"hour": 3, "minute": 1}
